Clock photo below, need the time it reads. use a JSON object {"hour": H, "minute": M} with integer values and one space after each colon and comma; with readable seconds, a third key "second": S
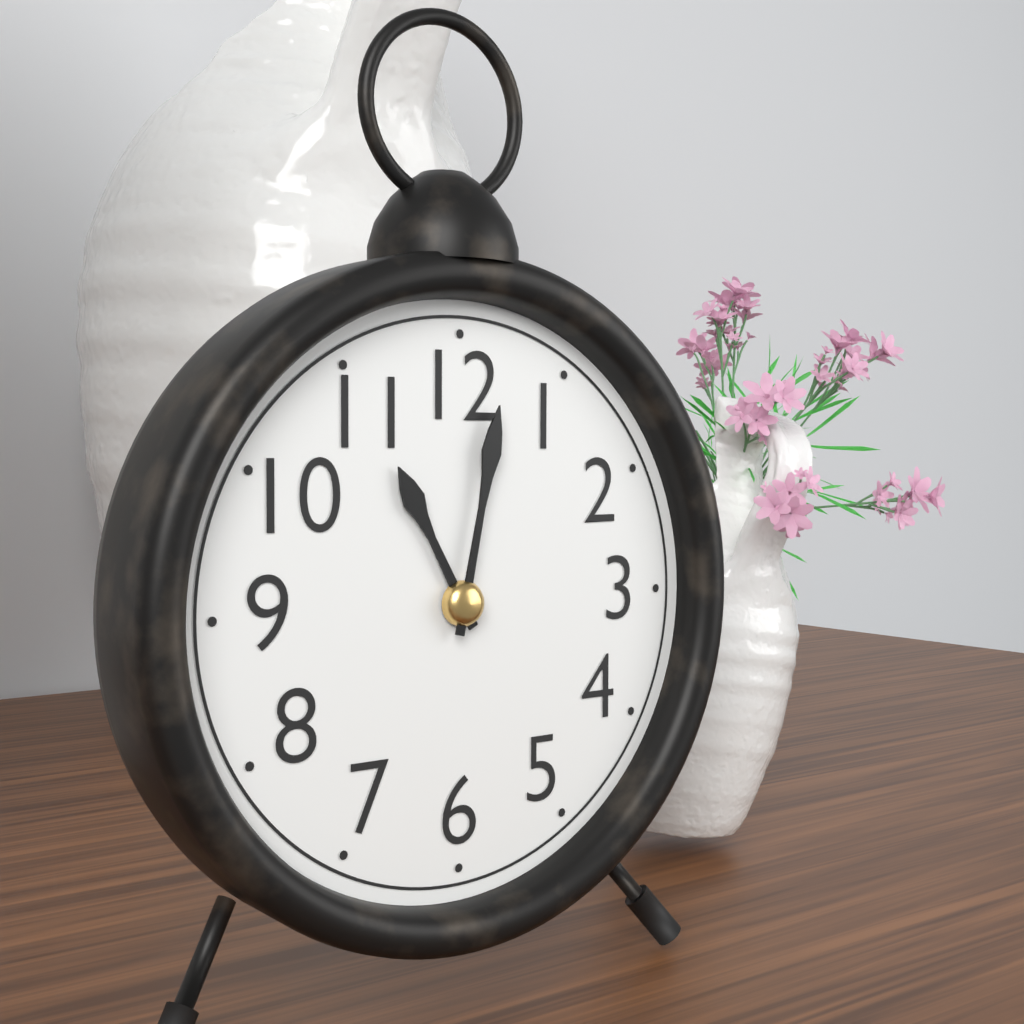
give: {"hour": 11, "minute": 2}
